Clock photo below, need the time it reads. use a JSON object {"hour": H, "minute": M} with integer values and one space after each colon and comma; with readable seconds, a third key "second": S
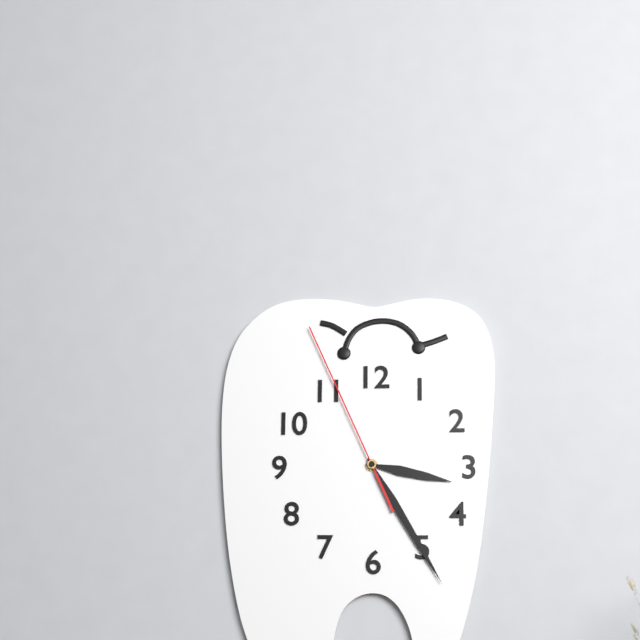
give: {"hour": 3, "minute": 25, "second": 56}
